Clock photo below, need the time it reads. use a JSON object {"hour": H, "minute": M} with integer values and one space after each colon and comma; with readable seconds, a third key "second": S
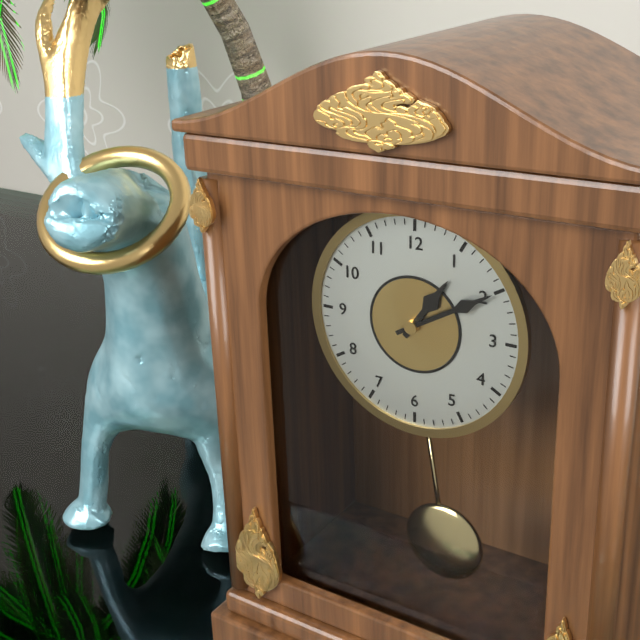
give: {"hour": 1, "minute": 10}
